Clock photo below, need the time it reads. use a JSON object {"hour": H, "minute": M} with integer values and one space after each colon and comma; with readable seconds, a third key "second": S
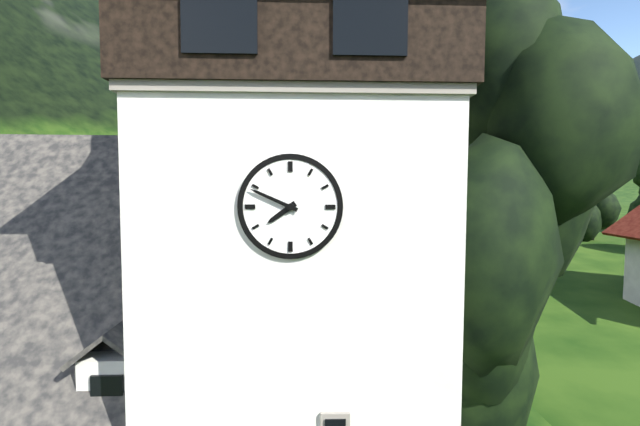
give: {"hour": 7, "minute": 49}
